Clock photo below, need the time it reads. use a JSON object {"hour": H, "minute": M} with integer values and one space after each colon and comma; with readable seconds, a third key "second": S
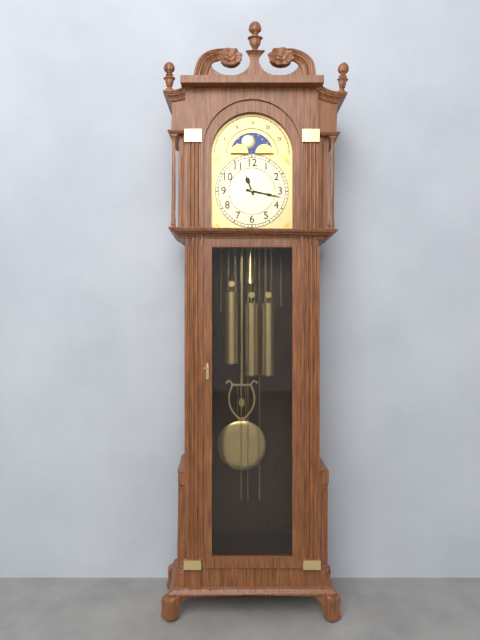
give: {"hour": 11, "minute": 17}
